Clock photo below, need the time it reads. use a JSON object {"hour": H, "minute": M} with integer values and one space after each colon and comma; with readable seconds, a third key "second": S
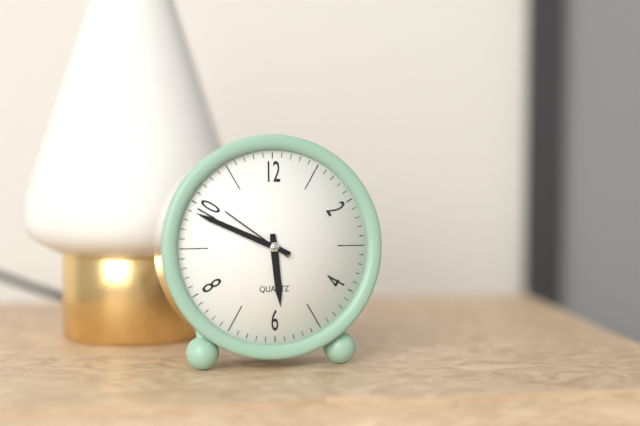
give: {"hour": 5, "minute": 49, "second": 51}
